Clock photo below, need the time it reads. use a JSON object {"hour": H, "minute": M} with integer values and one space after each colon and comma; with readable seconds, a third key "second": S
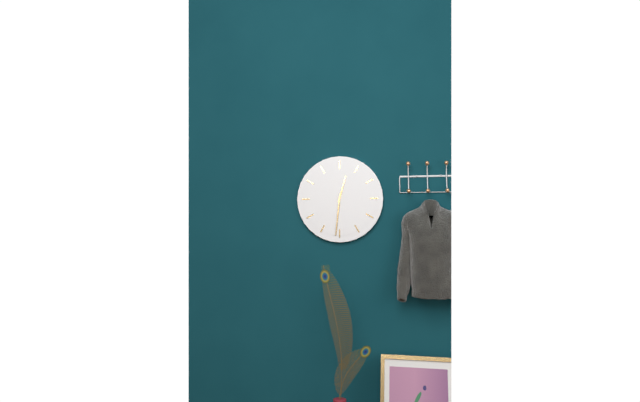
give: {"hour": 12, "minute": 31}
